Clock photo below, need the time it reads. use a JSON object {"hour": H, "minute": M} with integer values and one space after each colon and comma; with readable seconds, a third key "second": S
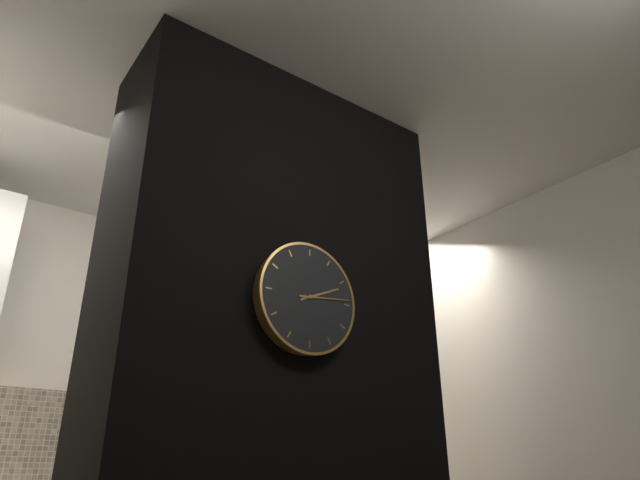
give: {"hour": 2, "minute": 14}
